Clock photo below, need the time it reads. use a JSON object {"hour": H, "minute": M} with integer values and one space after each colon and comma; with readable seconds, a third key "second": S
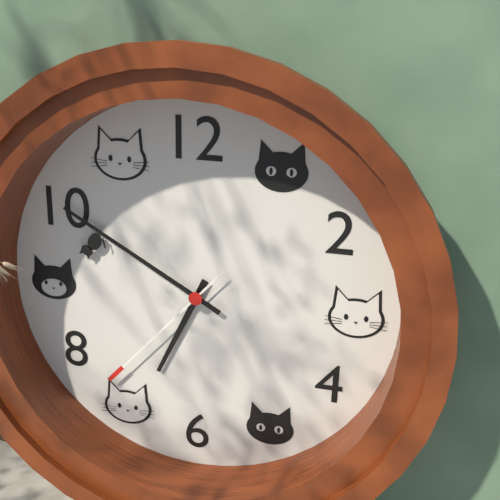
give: {"hour": 6, "minute": 50, "second": 37}
